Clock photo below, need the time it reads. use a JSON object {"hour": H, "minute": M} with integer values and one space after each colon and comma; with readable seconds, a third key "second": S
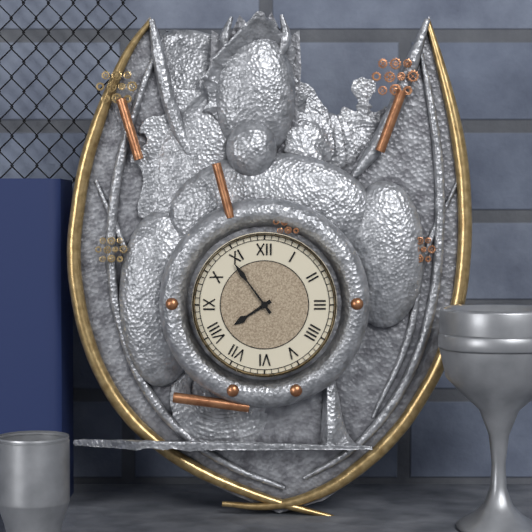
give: {"hour": 7, "minute": 54}
